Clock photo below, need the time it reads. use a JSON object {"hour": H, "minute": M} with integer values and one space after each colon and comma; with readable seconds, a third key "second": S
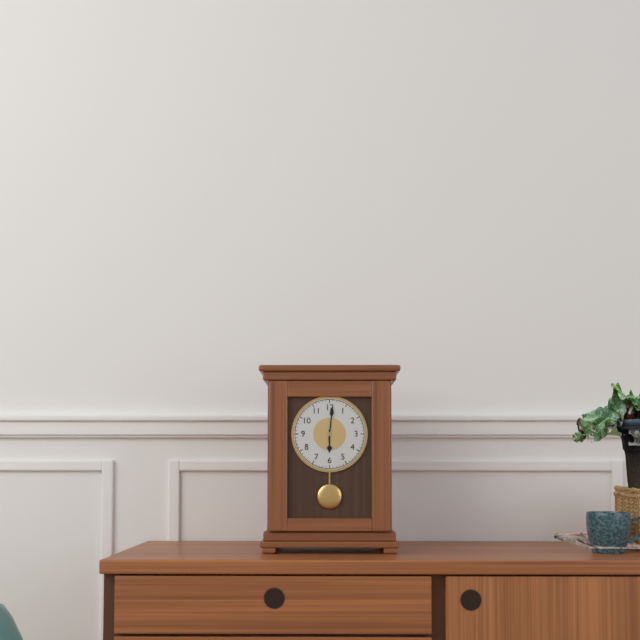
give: {"hour": 6, "minute": 1}
